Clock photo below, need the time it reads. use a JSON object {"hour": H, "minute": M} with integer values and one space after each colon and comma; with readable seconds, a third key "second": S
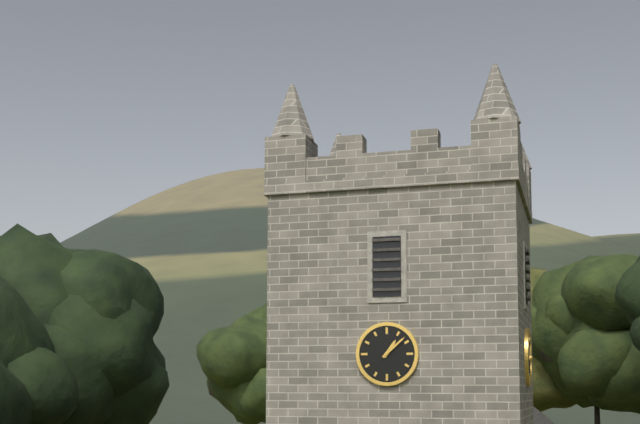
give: {"hour": 1, "minute": 8}
